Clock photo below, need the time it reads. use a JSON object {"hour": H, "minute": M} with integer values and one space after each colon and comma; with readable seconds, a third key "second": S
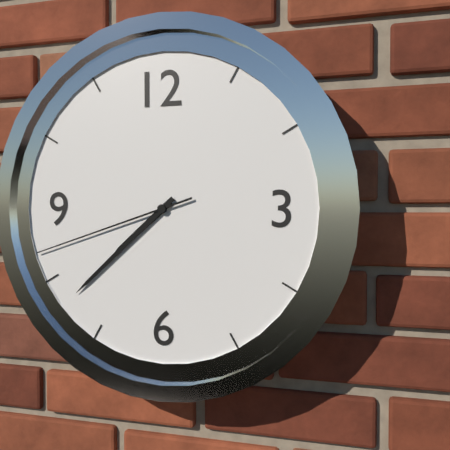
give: {"hour": 7, "minute": 38, "second": 42}
